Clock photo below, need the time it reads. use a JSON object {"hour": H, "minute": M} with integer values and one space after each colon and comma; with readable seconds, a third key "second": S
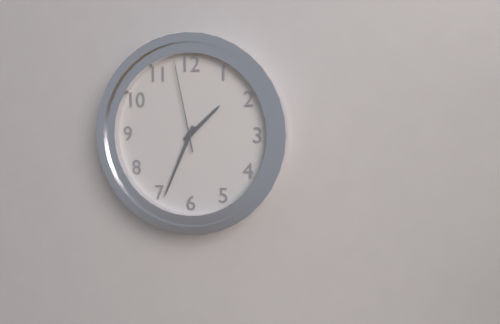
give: {"hour": 1, "minute": 34, "second": 58}
